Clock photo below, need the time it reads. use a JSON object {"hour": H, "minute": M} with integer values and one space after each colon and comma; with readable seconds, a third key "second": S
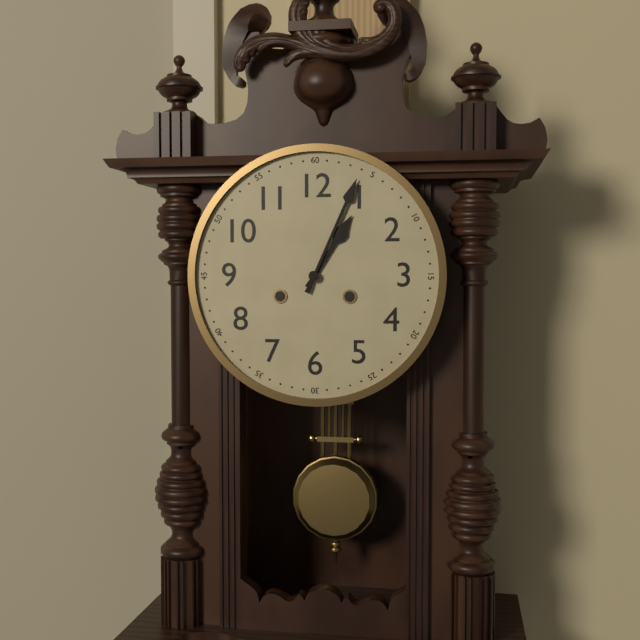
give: {"hour": 1, "minute": 4}
